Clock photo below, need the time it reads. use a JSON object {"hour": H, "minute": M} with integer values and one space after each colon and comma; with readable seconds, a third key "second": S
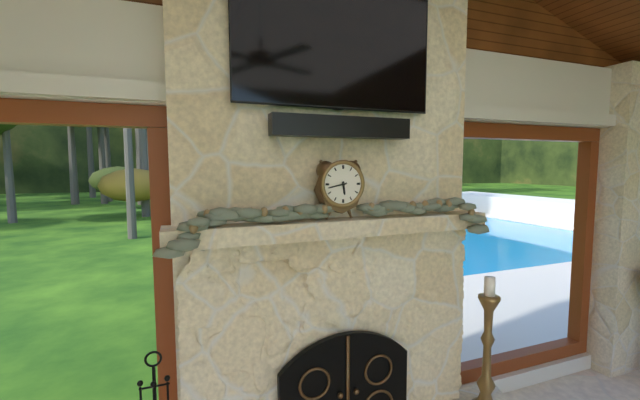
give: {"hour": 5, "minute": 43}
